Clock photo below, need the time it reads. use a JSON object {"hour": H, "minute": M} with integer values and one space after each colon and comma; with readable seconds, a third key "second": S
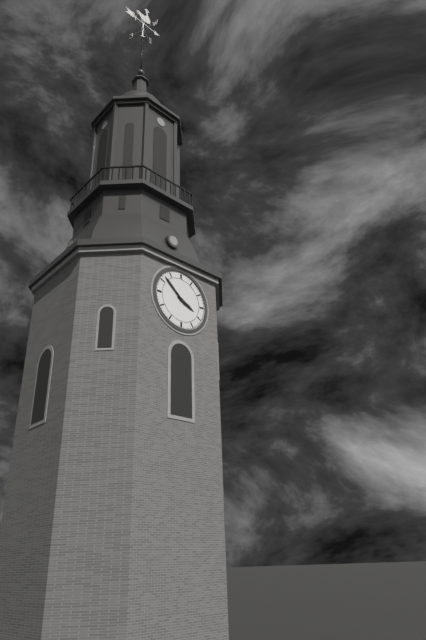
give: {"hour": 3, "minute": 52}
